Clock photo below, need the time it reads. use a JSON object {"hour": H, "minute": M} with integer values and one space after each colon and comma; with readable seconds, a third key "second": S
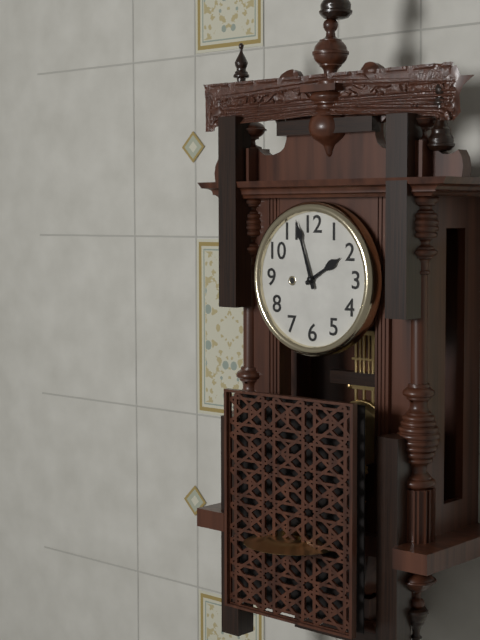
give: {"hour": 1, "minute": 57}
